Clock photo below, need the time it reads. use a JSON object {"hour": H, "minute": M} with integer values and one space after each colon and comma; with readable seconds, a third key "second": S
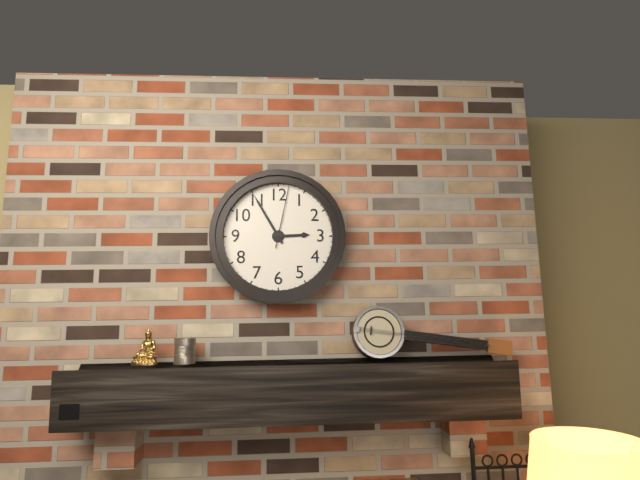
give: {"hour": 2, "minute": 55, "second": 2}
